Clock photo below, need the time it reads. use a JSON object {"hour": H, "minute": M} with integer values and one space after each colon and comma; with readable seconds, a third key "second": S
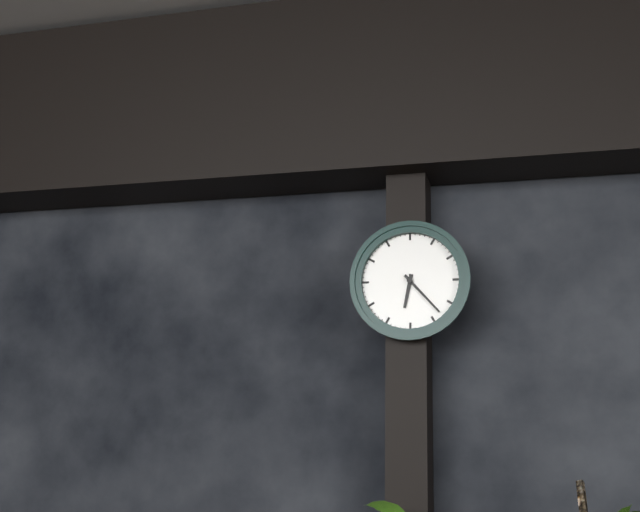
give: {"hour": 6, "minute": 23}
